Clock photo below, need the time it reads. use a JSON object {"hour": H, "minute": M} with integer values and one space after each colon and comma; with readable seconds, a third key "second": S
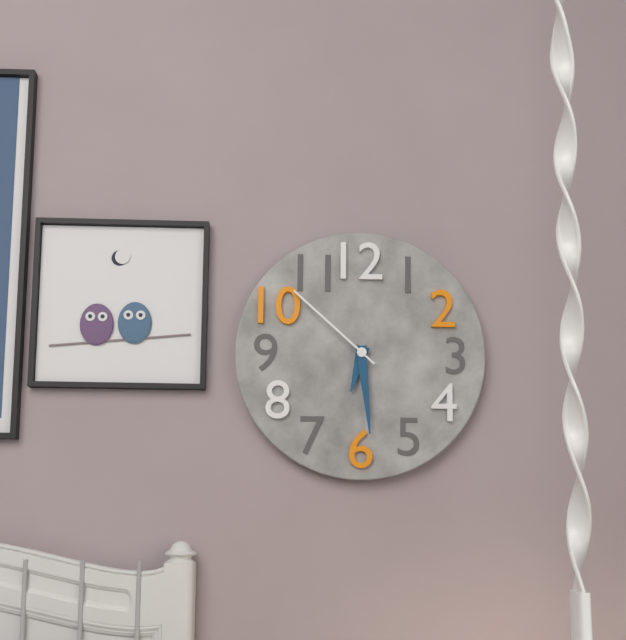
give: {"hour": 6, "minute": 29, "second": 52}
